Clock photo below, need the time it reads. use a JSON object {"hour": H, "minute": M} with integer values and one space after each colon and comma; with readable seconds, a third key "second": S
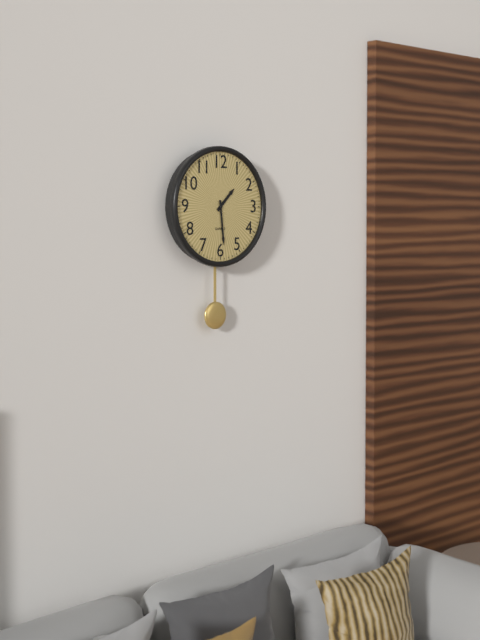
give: {"hour": 1, "minute": 29}
